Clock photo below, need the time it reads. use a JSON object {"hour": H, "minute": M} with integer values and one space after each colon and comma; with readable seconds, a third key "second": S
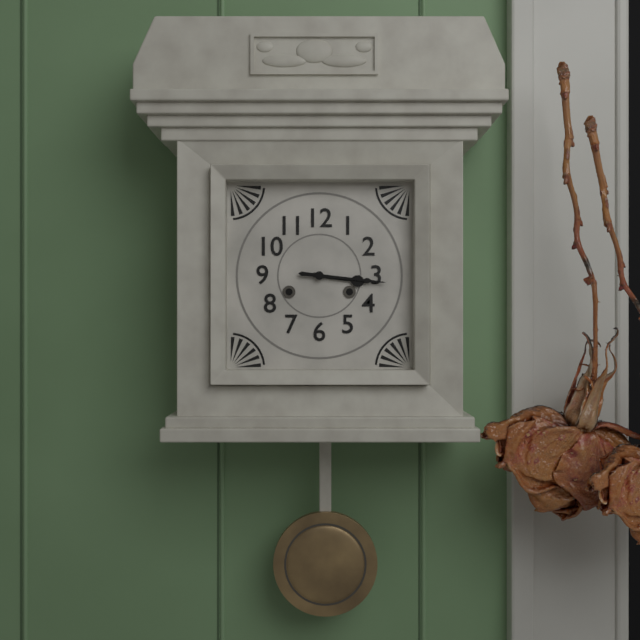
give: {"hour": 3, "minute": 16}
